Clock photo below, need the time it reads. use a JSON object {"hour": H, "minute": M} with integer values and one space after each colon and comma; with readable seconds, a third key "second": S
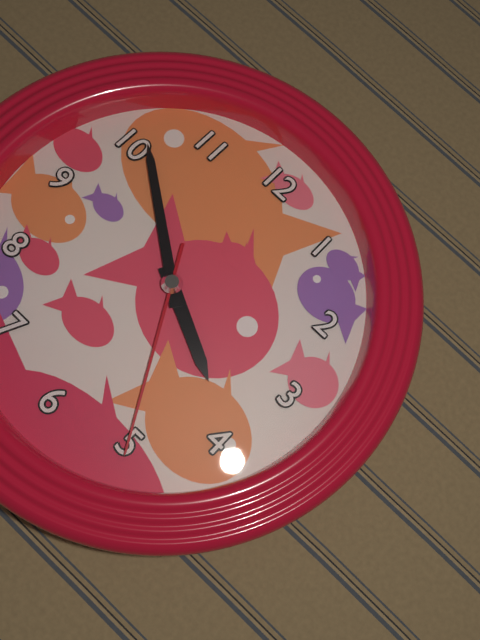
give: {"hour": 3, "minute": 51, "second": 25}
